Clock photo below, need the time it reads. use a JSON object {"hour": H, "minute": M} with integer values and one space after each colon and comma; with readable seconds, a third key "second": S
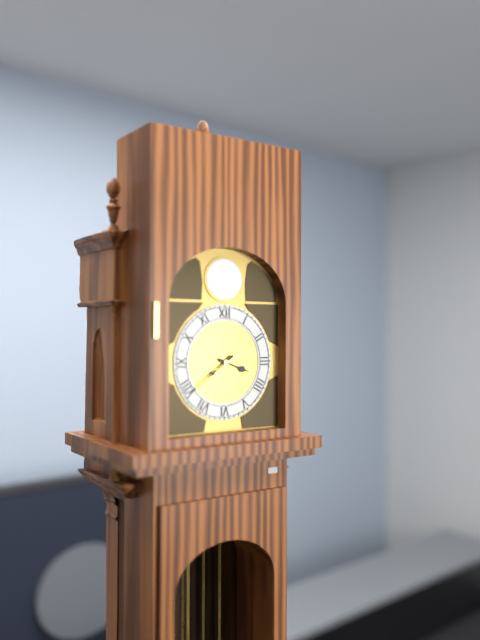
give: {"hour": 3, "minute": 39}
